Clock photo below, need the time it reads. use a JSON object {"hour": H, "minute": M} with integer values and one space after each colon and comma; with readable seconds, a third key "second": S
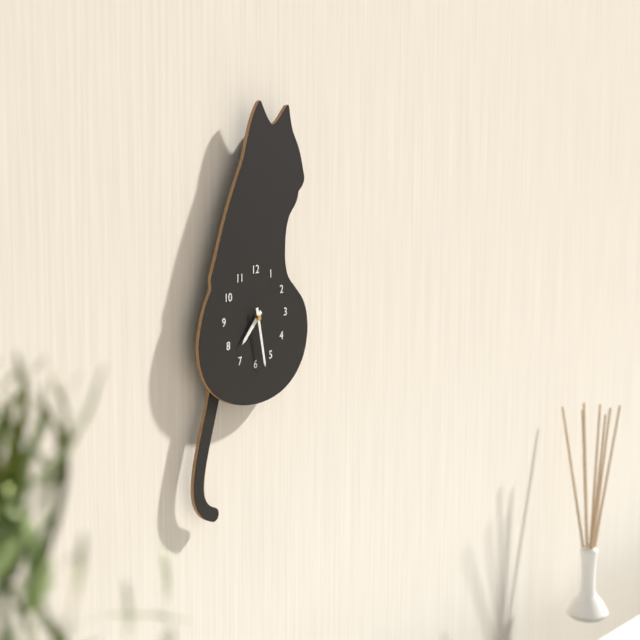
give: {"hour": 7, "minute": 28}
